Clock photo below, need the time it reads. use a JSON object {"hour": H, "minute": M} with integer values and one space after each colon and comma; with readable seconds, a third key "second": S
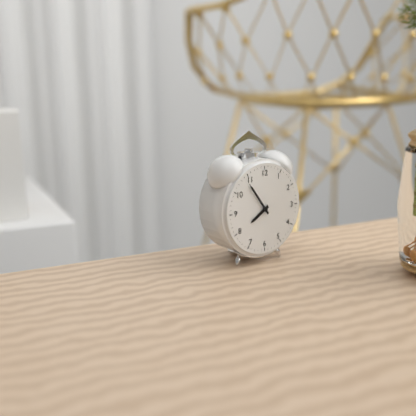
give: {"hour": 7, "minute": 54}
